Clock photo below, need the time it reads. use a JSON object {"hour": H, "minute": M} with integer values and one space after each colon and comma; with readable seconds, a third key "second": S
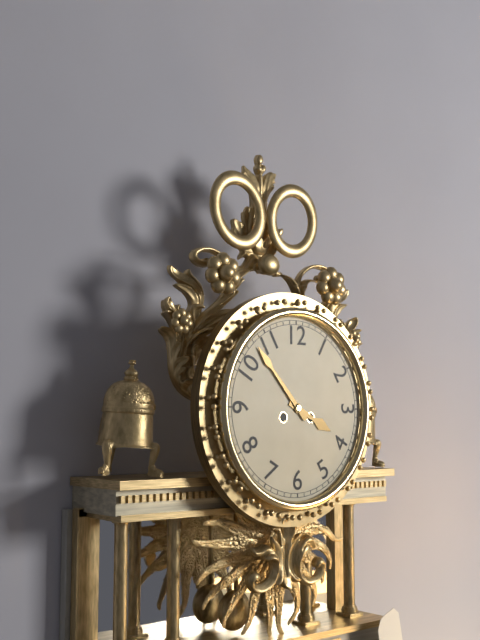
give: {"hour": 3, "minute": 53}
